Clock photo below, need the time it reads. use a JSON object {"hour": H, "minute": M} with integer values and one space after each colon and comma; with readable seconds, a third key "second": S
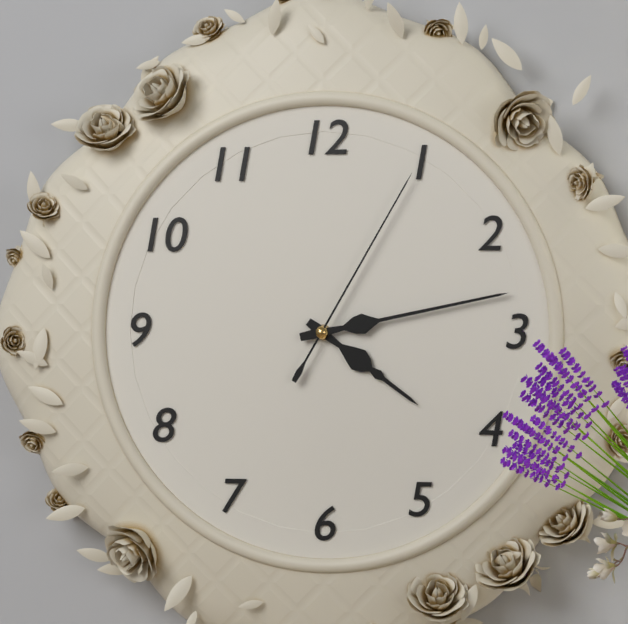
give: {"hour": 4, "minute": 13, "second": 5}
